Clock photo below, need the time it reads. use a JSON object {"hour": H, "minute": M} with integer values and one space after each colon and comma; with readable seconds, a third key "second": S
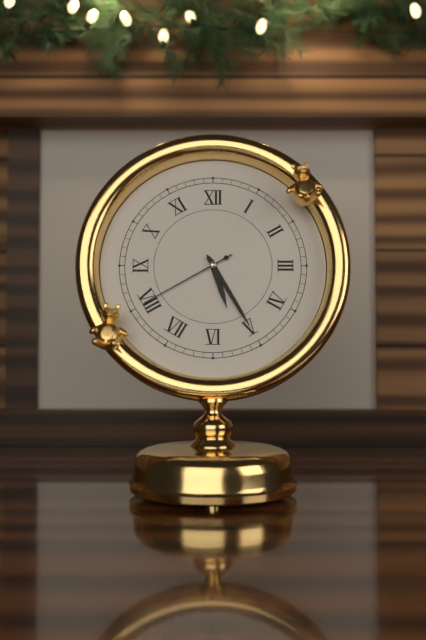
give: {"hour": 5, "minute": 25, "second": 40}
